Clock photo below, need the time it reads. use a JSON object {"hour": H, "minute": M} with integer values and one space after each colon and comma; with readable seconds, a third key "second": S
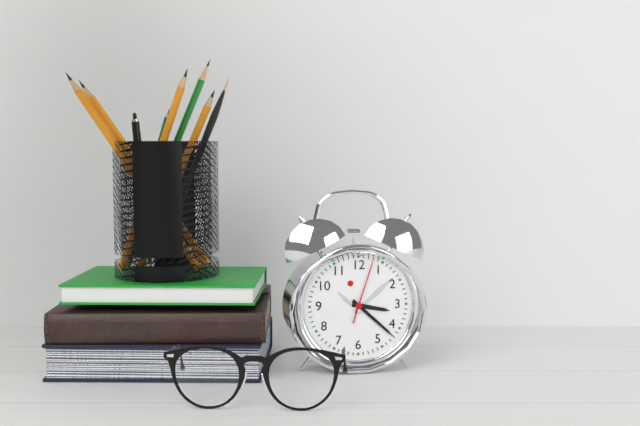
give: {"hour": 3, "minute": 22, "second": 3}
